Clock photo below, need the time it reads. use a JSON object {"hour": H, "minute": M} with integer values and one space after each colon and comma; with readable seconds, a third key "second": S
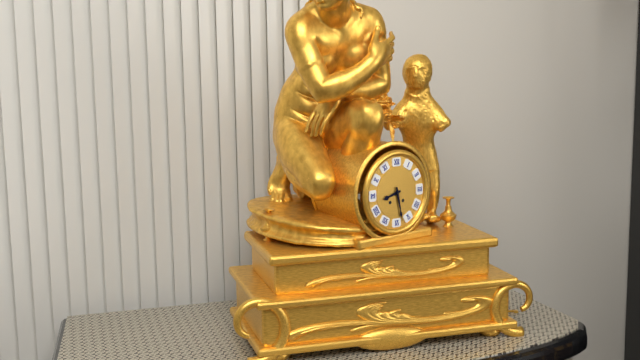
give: {"hour": 8, "minute": 28}
